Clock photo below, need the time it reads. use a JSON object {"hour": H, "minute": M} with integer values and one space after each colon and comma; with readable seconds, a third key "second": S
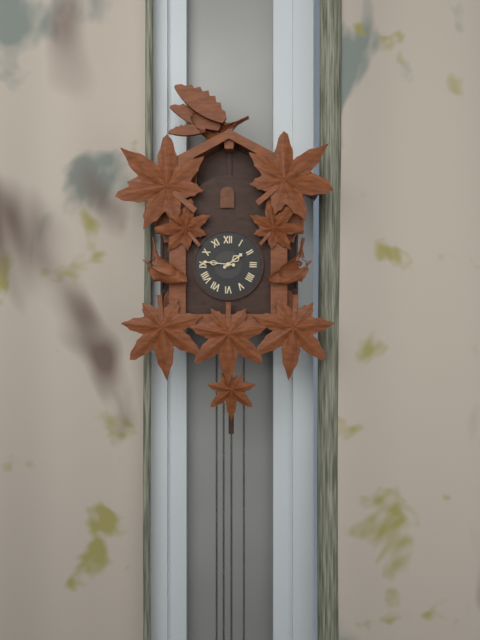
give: {"hour": 1, "minute": 46}
